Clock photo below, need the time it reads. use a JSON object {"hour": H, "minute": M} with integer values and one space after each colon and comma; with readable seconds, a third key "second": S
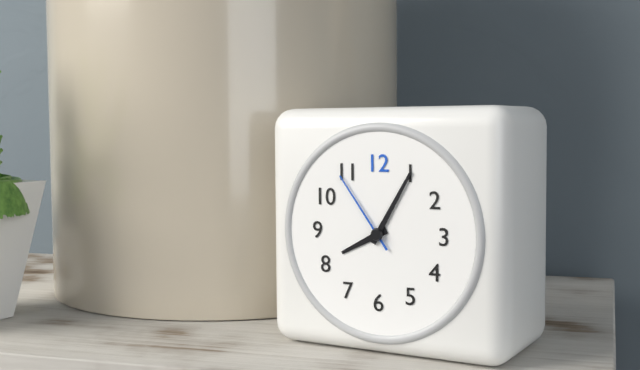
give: {"hour": 8, "minute": 5, "second": 54}
